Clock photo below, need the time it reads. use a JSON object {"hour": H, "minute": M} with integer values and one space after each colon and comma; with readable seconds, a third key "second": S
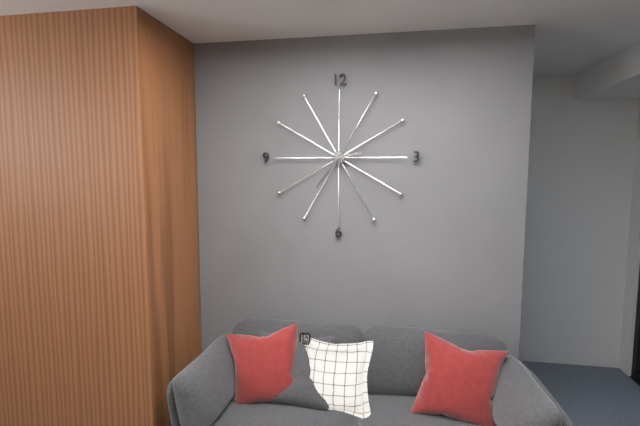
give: {"hour": 2, "minute": 36}
